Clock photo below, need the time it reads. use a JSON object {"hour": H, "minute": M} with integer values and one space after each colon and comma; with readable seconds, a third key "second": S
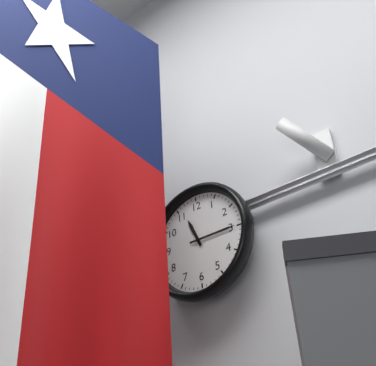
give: {"hour": 11, "minute": 15}
